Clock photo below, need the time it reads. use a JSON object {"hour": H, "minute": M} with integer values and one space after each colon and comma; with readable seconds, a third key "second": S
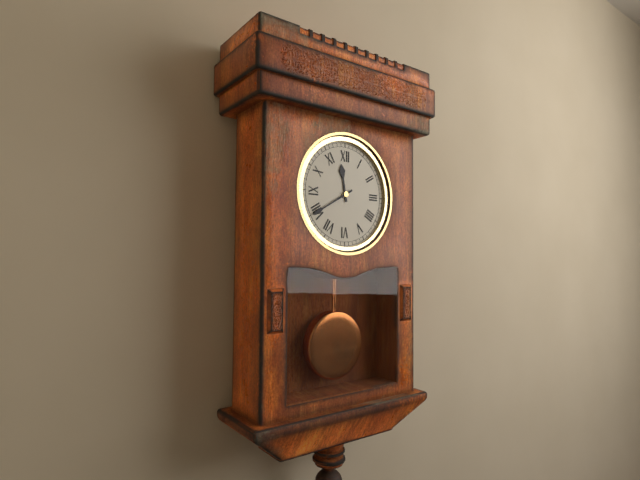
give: {"hour": 11, "minute": 40}
